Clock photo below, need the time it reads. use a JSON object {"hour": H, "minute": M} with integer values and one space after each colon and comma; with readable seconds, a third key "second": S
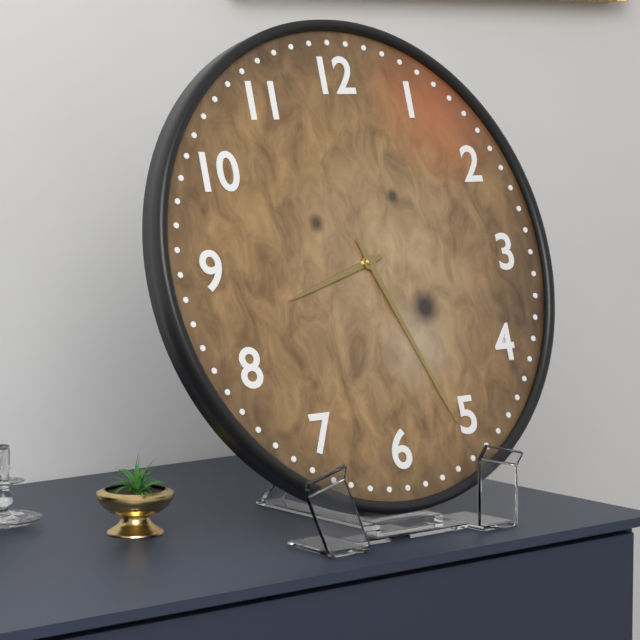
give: {"hour": 8, "minute": 26}
